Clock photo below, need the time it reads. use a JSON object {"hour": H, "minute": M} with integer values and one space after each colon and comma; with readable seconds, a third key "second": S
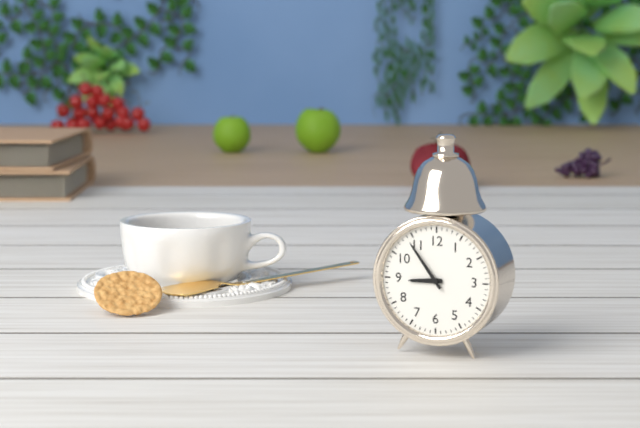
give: {"hour": 8, "minute": 54}
